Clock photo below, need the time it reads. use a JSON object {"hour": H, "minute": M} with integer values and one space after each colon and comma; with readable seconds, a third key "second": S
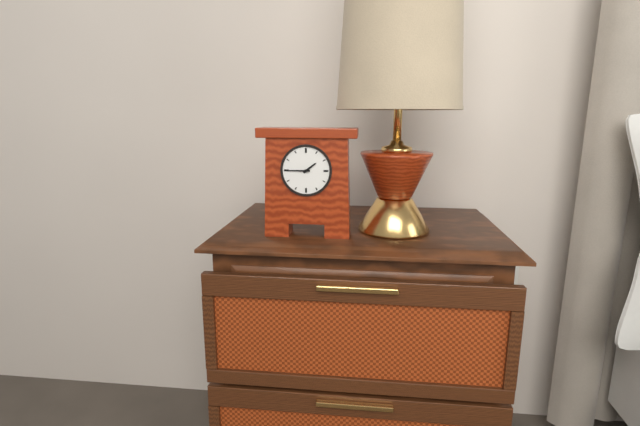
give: {"hour": 1, "minute": 45}
